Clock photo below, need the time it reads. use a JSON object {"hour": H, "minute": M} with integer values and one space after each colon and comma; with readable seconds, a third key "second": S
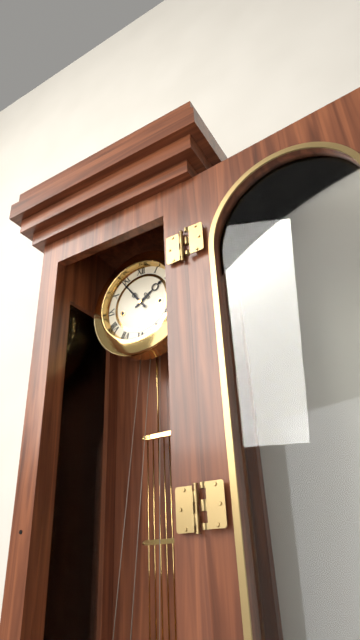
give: {"hour": 1, "minute": 54}
